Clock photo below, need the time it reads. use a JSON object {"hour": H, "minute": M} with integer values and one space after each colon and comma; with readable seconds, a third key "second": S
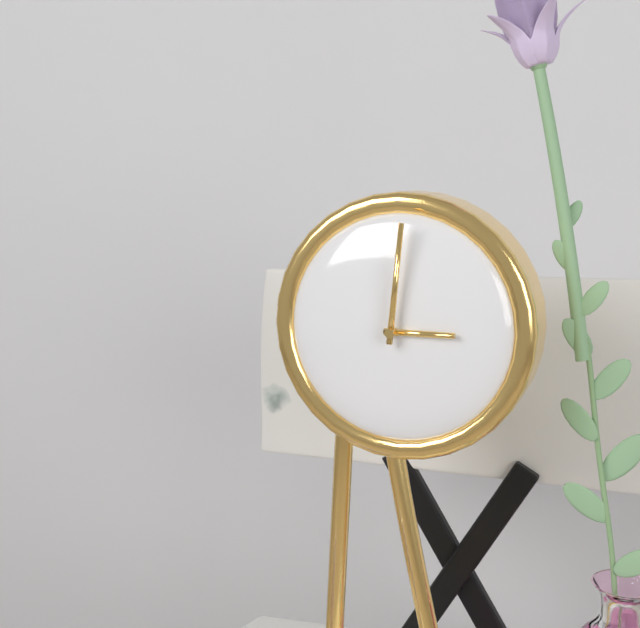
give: {"hour": 3, "minute": 1}
